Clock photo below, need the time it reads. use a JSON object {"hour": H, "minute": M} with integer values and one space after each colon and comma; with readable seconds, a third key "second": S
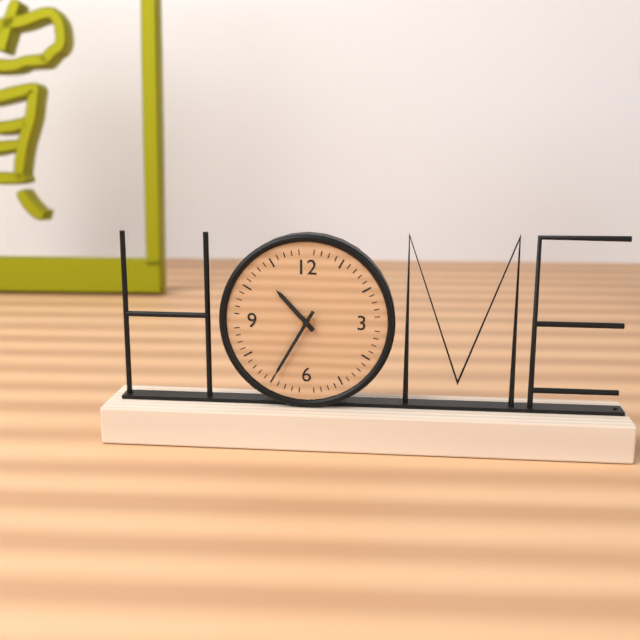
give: {"hour": 10, "minute": 35}
